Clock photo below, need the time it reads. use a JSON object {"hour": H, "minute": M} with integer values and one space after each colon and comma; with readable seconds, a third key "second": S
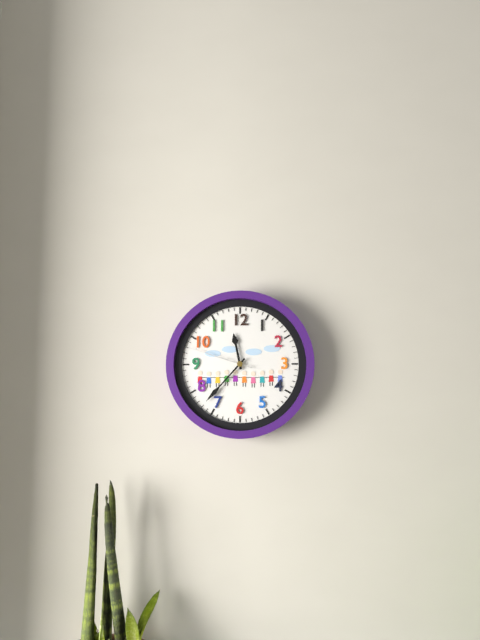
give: {"hour": 11, "minute": 37, "second": 48}
